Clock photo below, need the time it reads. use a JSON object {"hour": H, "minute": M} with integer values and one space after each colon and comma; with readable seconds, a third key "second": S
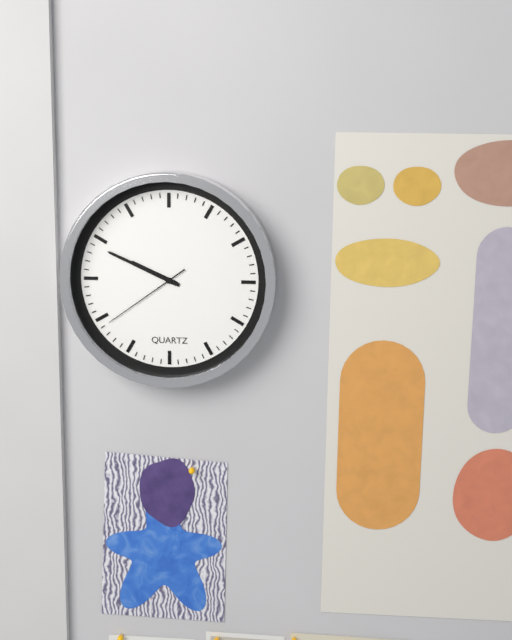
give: {"hour": 9, "minute": 49, "second": 39}
